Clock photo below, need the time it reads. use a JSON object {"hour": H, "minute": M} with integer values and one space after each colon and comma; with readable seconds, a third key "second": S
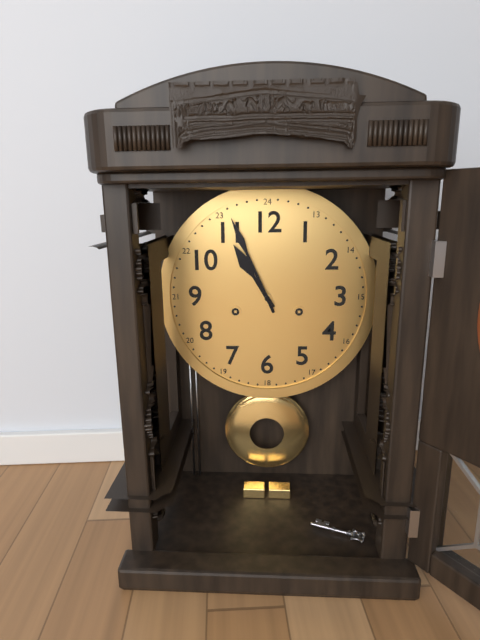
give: {"hour": 10, "minute": 56}
